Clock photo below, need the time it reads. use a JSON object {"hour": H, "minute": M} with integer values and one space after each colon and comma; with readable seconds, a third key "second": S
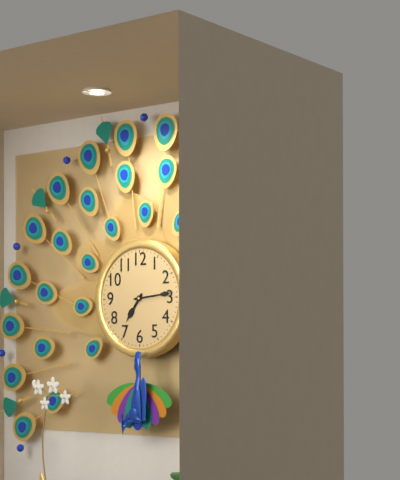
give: {"hour": 7, "minute": 14}
